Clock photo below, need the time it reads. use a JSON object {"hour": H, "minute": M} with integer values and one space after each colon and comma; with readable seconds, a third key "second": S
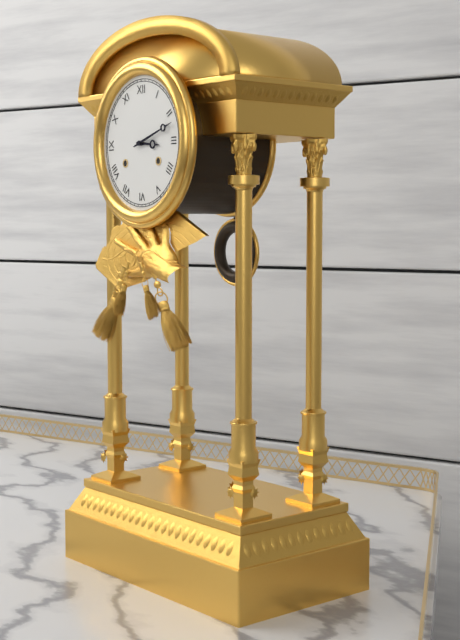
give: {"hour": 3, "minute": 12}
